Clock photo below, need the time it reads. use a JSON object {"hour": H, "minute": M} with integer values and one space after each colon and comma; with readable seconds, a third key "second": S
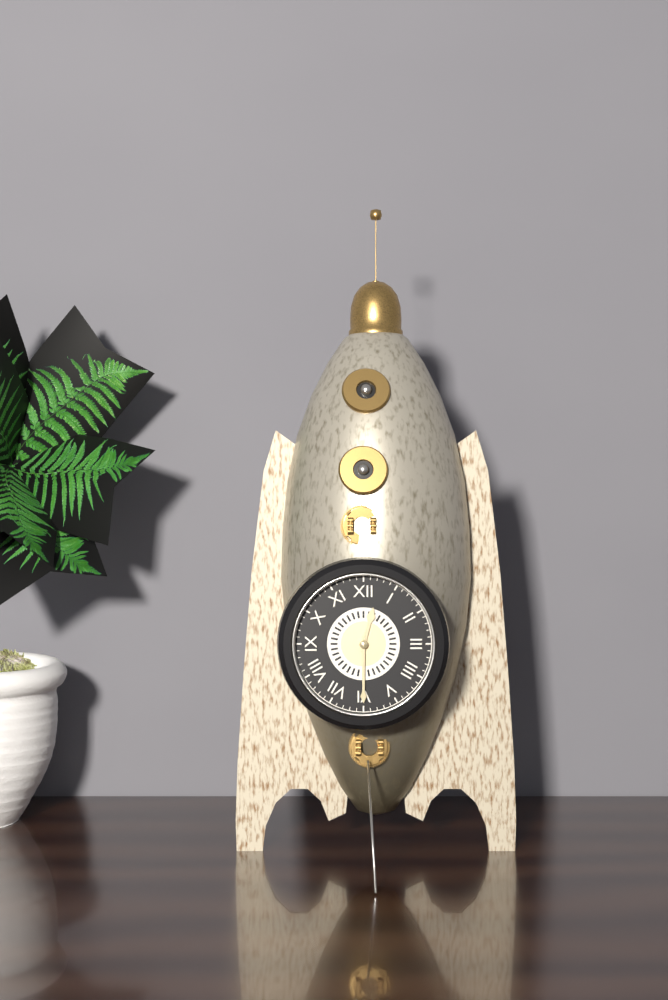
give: {"hour": 12, "minute": 30}
